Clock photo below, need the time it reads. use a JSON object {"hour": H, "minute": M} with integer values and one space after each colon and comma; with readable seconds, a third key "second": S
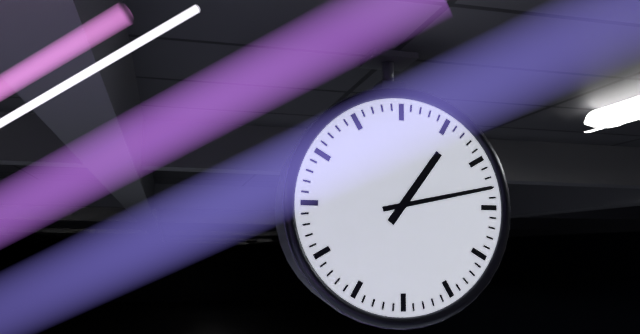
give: {"hour": 1, "minute": 13}
